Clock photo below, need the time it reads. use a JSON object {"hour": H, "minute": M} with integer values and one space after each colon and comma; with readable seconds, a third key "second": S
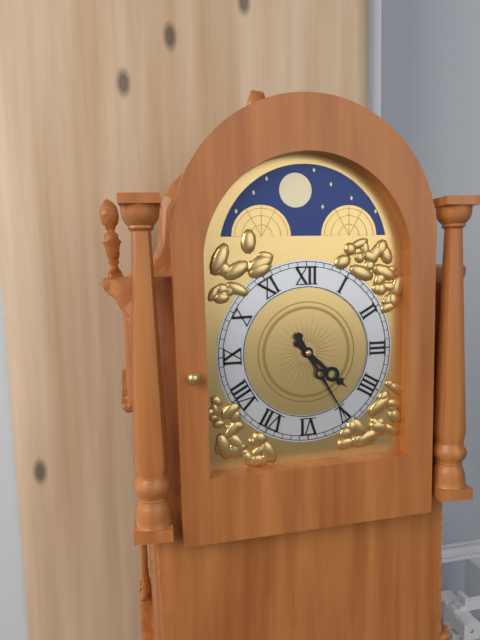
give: {"hour": 4, "minute": 25}
